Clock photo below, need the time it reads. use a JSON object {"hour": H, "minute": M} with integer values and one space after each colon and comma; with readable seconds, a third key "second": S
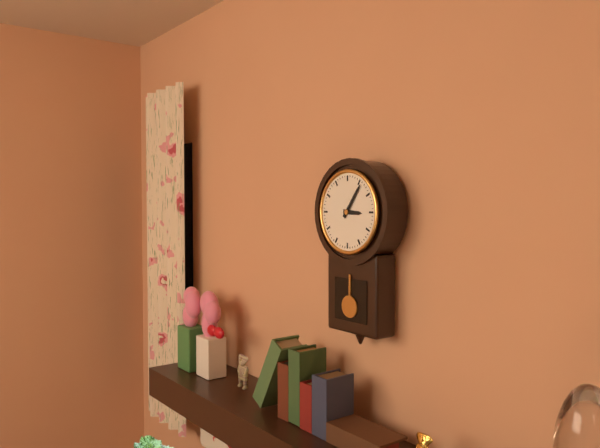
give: {"hour": 3, "minute": 6}
